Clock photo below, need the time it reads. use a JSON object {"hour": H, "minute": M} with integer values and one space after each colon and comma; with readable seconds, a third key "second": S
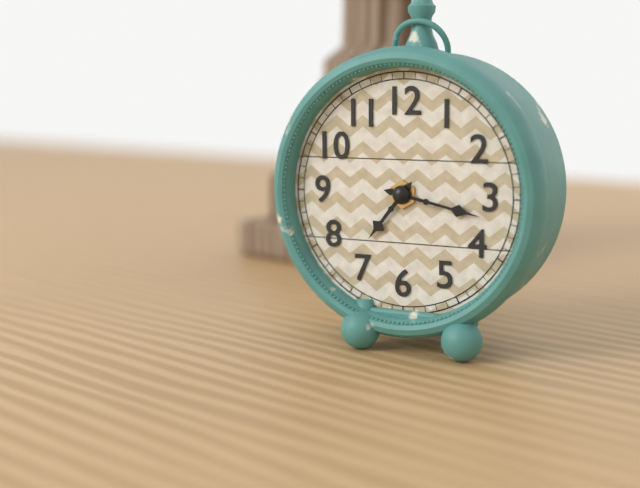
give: {"hour": 7, "minute": 17}
